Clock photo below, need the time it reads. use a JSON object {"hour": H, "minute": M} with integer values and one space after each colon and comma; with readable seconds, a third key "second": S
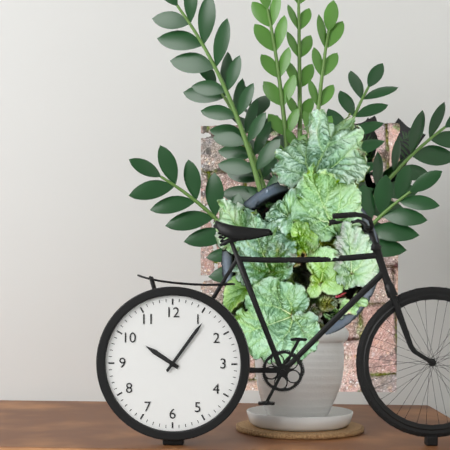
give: {"hour": 10, "minute": 6}
